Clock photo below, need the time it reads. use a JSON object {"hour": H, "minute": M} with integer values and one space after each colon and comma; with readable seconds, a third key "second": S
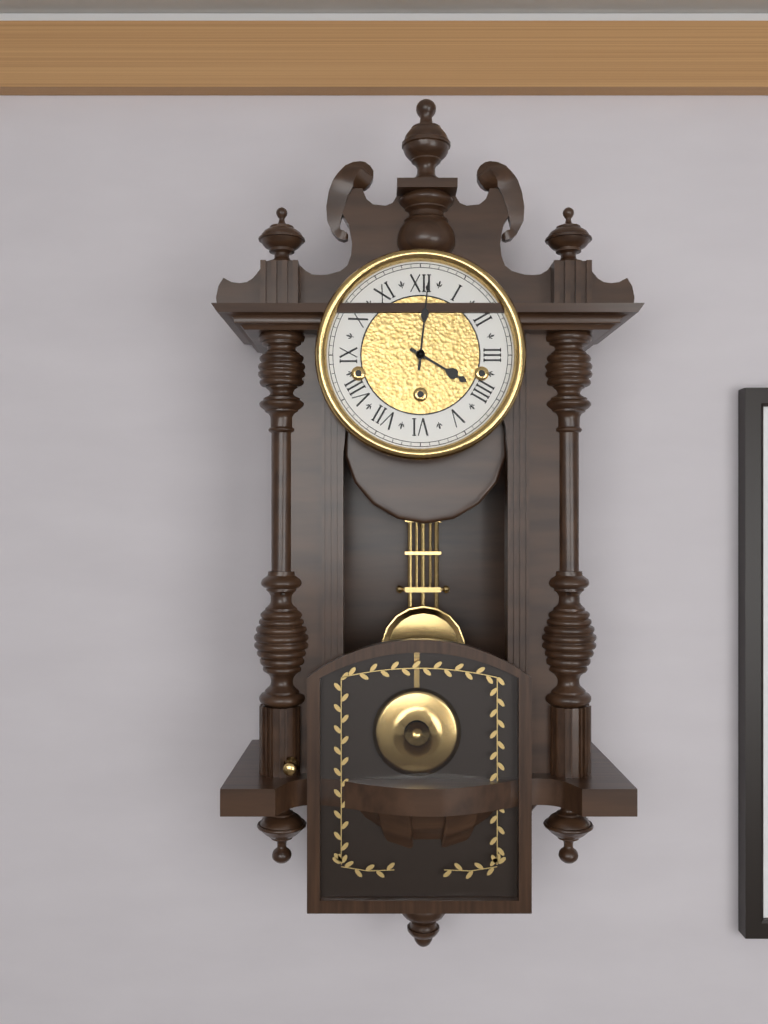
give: {"hour": 4, "minute": 1}
